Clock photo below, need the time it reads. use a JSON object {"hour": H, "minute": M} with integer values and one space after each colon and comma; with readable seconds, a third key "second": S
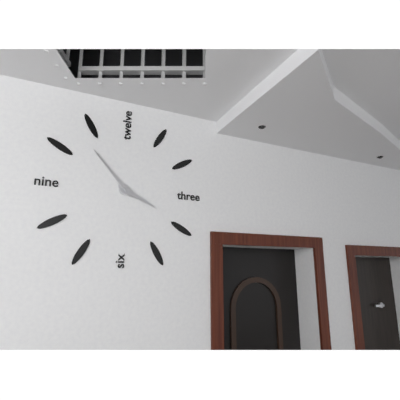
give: {"hour": 3, "minute": 53}
